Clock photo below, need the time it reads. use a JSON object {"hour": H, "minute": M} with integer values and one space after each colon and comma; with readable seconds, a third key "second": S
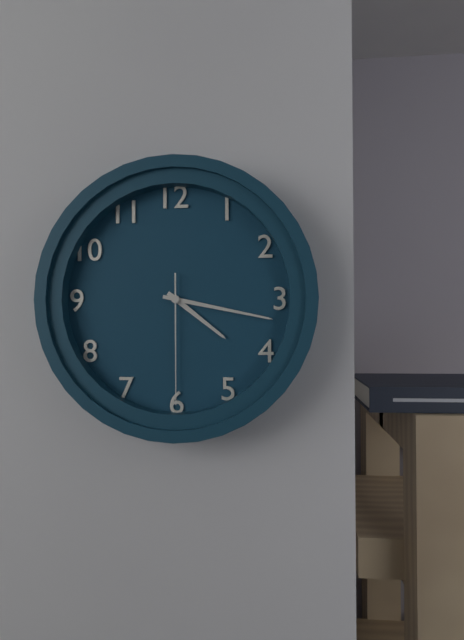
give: {"hour": 4, "minute": 17, "second": 30}
